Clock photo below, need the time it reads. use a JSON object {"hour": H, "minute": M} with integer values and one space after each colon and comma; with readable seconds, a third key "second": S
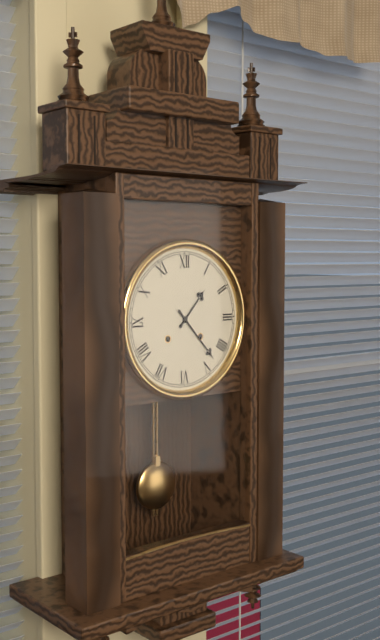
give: {"hour": 1, "minute": 23}
